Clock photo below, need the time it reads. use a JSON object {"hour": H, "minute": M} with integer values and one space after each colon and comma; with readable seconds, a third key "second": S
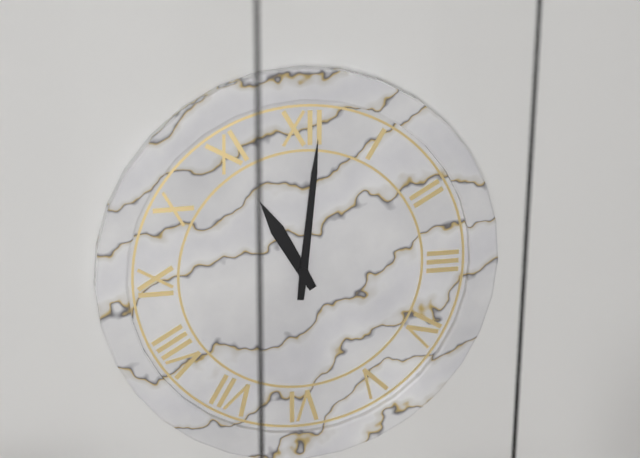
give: {"hour": 11, "minute": 1}
